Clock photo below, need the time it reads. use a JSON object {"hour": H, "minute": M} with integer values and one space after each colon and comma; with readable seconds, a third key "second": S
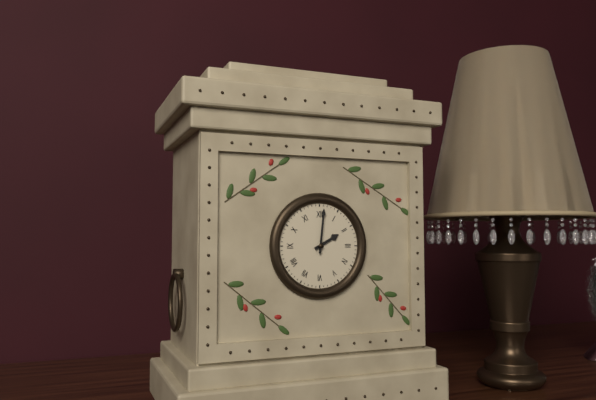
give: {"hour": 2, "minute": 1}
